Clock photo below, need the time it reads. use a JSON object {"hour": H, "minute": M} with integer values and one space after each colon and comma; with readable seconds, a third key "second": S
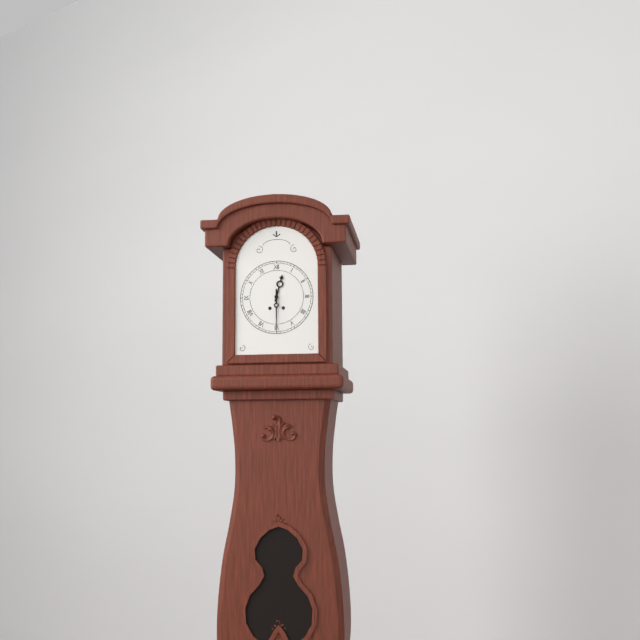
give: {"hour": 12, "minute": 30}
